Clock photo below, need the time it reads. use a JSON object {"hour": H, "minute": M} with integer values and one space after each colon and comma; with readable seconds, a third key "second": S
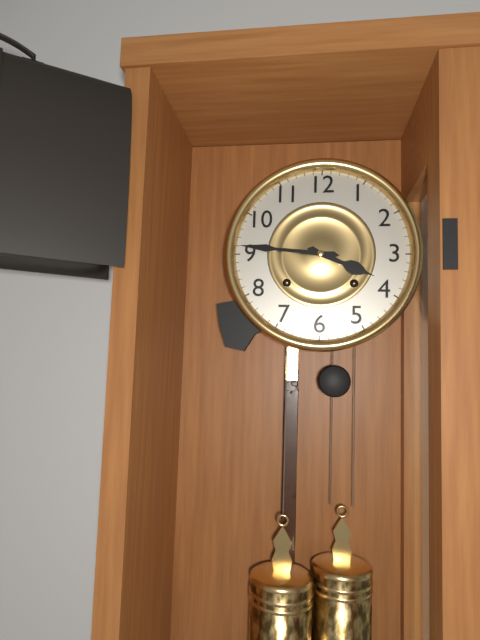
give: {"hour": 3, "minute": 46}
